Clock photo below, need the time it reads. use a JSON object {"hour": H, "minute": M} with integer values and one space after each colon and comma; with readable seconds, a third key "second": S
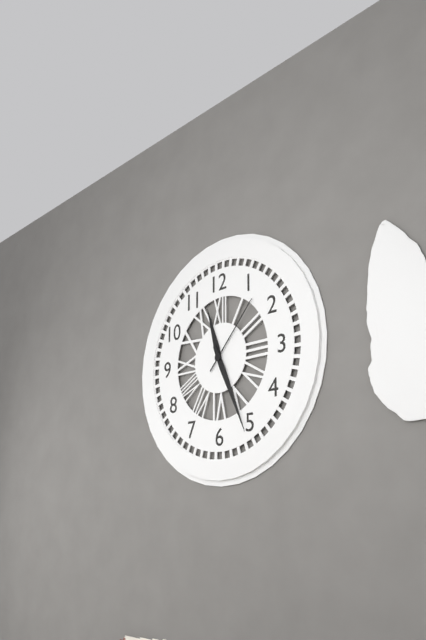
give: {"hour": 11, "minute": 26, "second": 7}
